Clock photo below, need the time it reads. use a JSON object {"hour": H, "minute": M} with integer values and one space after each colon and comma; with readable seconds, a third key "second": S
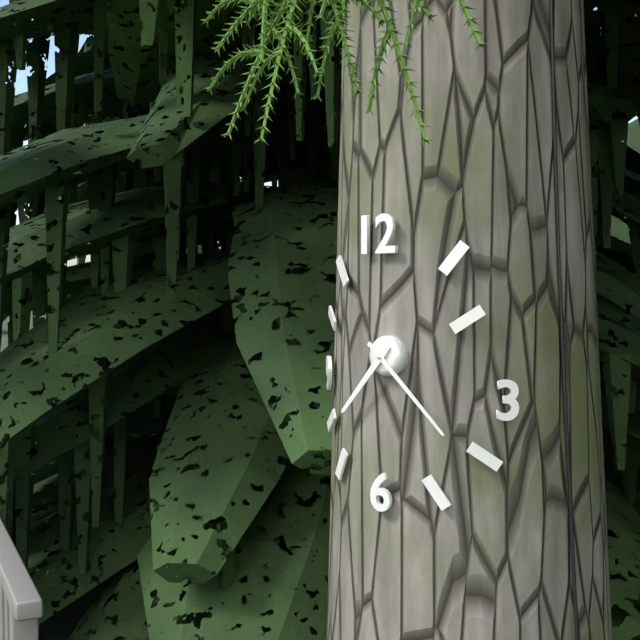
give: {"hour": 7, "minute": 22}
